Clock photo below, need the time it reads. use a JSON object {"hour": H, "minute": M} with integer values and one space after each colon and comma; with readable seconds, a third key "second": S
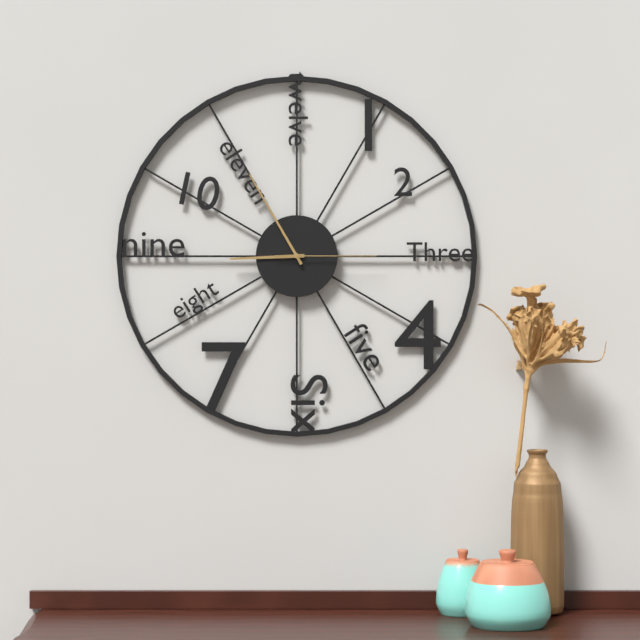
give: {"hour": 8, "minute": 55, "second": 15}
